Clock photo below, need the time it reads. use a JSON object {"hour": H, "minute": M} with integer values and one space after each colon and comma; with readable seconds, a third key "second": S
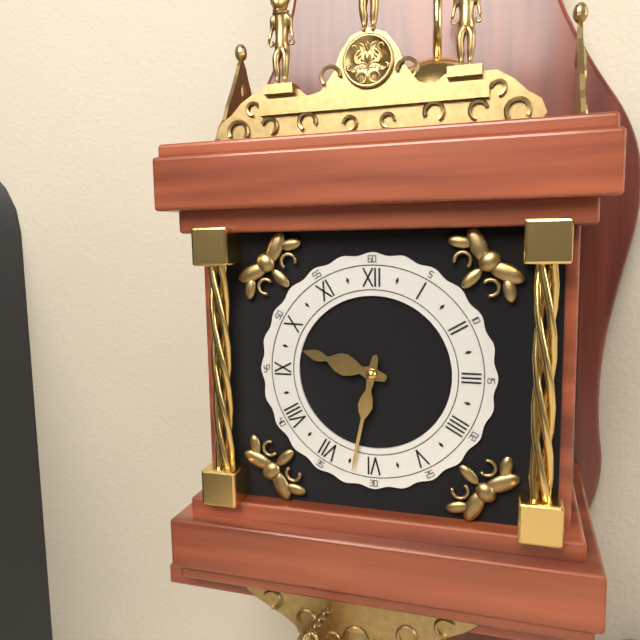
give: {"hour": 9, "minute": 32}
